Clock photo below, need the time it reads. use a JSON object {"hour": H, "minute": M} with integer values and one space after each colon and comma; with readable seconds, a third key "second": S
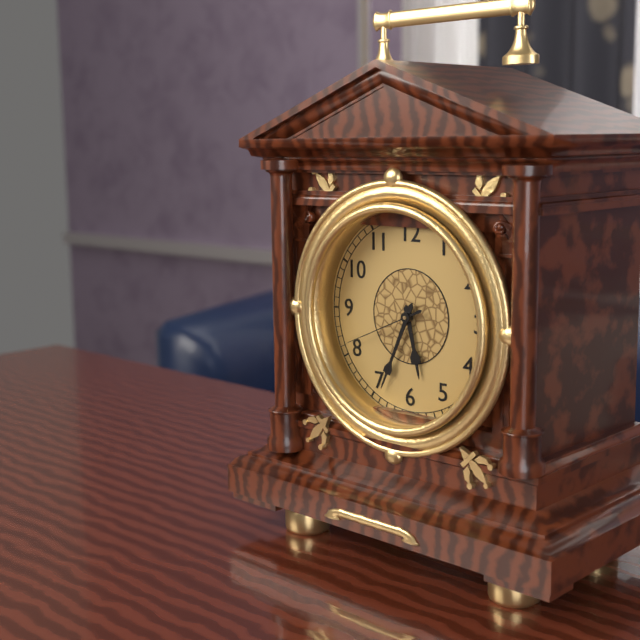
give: {"hour": 5, "minute": 34, "second": 41}
